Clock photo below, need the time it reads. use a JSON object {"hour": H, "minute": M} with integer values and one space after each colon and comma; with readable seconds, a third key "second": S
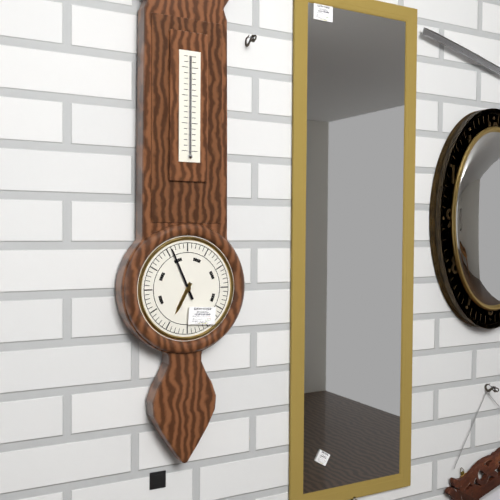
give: {"hour": 6, "minute": 56}
